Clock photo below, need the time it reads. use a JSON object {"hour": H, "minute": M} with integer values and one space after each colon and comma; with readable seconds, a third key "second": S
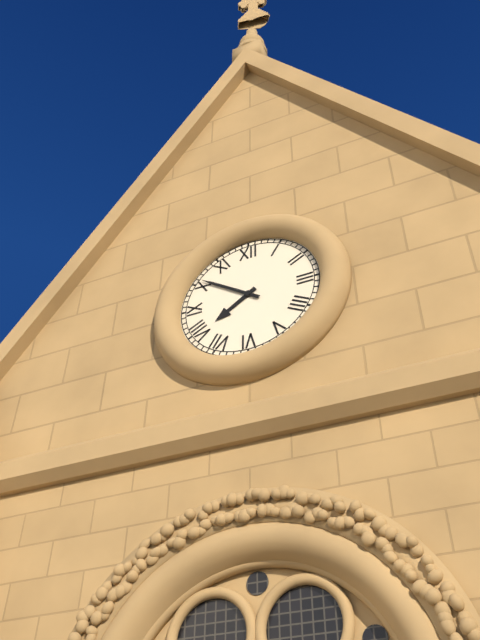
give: {"hour": 7, "minute": 51}
